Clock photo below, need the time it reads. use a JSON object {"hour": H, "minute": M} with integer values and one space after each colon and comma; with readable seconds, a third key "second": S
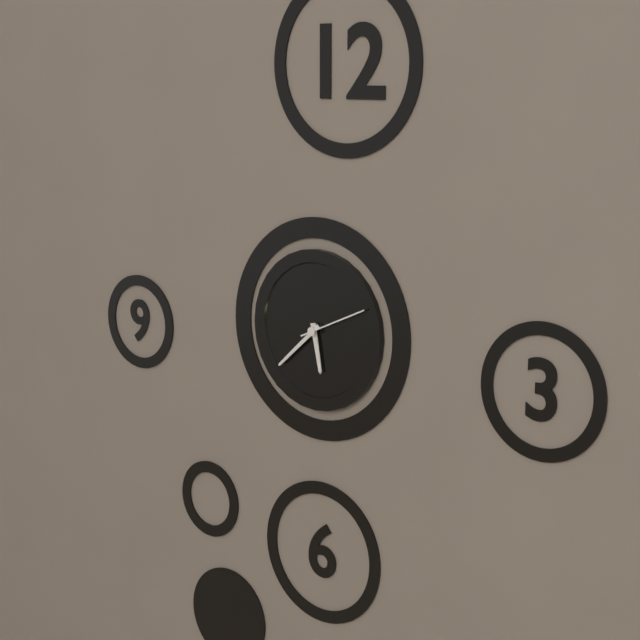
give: {"hour": 5, "minute": 38, "second": 11}
